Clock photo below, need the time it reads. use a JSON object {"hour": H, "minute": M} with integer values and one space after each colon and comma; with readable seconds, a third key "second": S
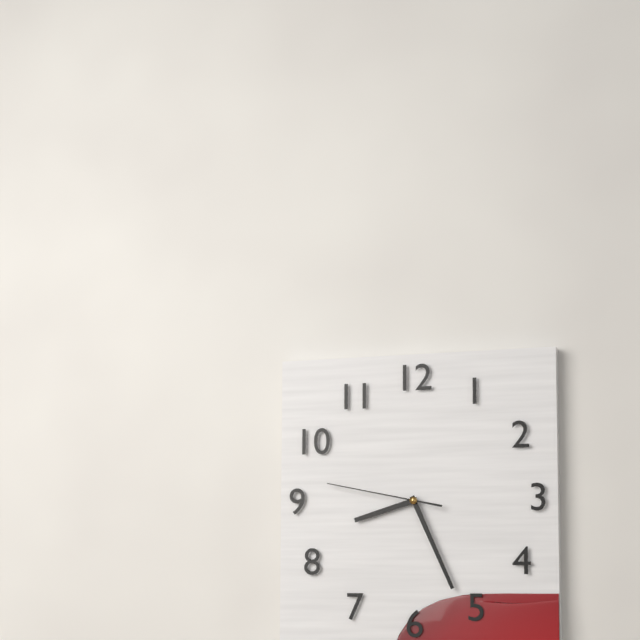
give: {"hour": 8, "minute": 26, "second": 47}
